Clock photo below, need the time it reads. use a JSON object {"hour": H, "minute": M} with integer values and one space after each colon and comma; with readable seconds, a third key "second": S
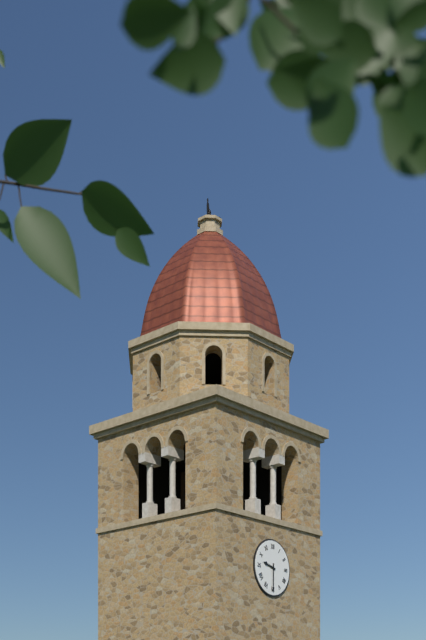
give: {"hour": 9, "minute": 30}
